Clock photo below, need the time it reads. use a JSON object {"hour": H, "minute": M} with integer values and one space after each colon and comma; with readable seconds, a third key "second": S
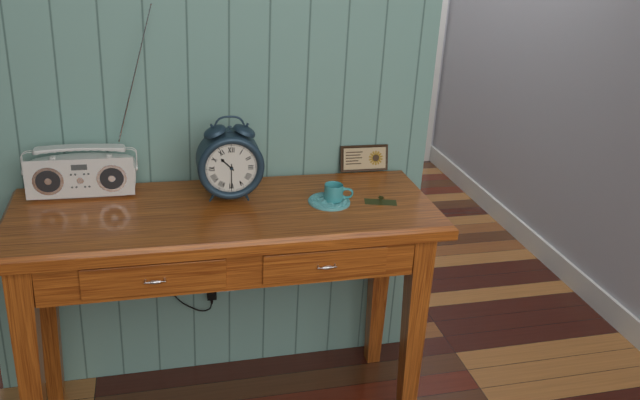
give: {"hour": 10, "minute": 30}
